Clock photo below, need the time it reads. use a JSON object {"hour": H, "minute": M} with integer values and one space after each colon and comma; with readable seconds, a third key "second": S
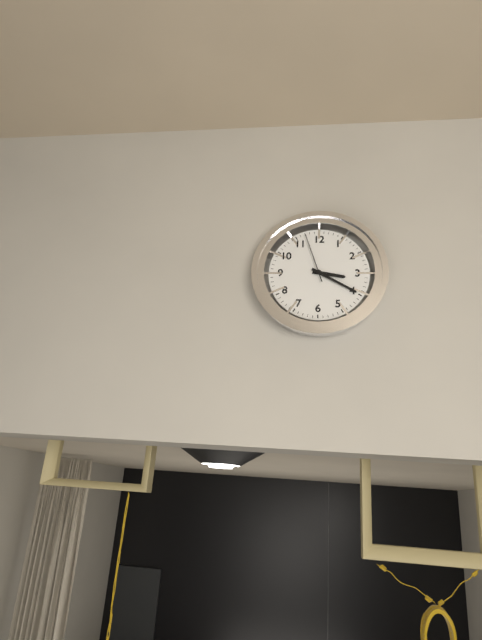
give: {"hour": 3, "minute": 20, "second": 57}
